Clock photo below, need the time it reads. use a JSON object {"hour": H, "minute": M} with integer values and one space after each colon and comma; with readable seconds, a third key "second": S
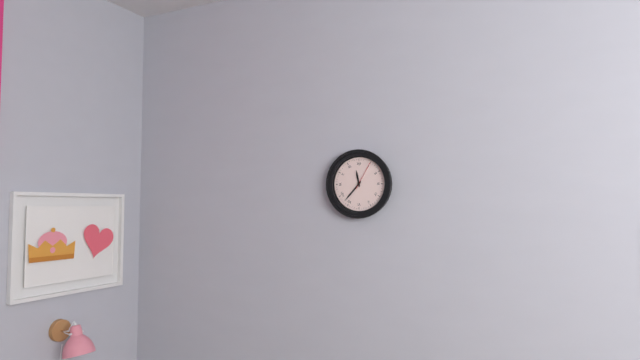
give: {"hour": 11, "minute": 37}
